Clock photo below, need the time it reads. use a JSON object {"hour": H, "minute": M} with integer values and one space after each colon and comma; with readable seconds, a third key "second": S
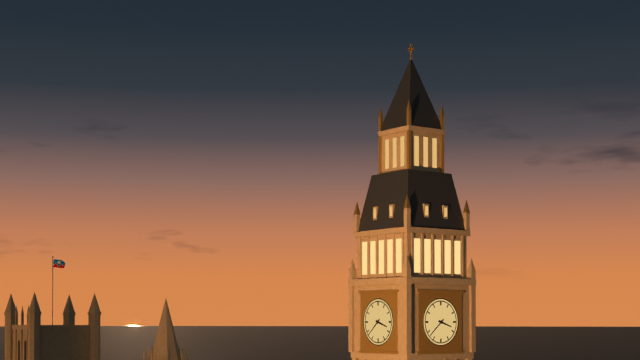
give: {"hour": 3, "minute": 38}
